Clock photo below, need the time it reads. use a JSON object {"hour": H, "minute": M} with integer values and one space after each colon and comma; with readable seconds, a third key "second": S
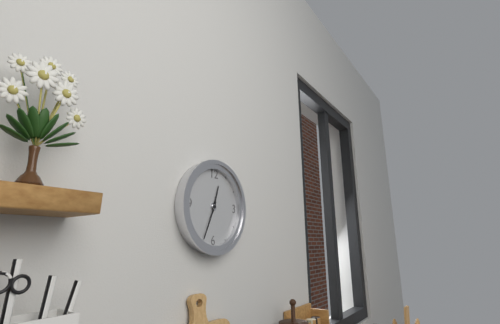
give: {"hour": 12, "minute": 34}
